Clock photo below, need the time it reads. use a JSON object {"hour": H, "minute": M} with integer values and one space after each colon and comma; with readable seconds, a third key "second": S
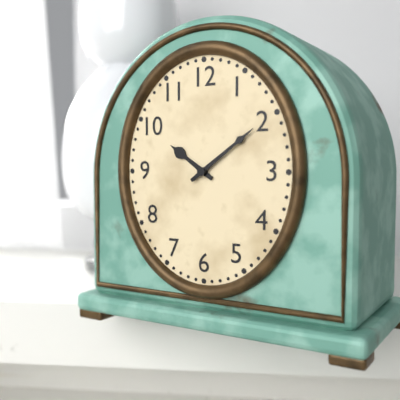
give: {"hour": 10, "minute": 9}
